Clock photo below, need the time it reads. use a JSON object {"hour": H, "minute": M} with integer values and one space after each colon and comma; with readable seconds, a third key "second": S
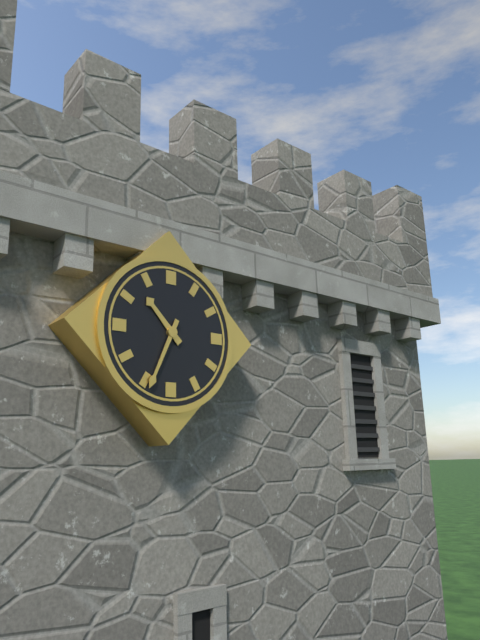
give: {"hour": 10, "minute": 34}
